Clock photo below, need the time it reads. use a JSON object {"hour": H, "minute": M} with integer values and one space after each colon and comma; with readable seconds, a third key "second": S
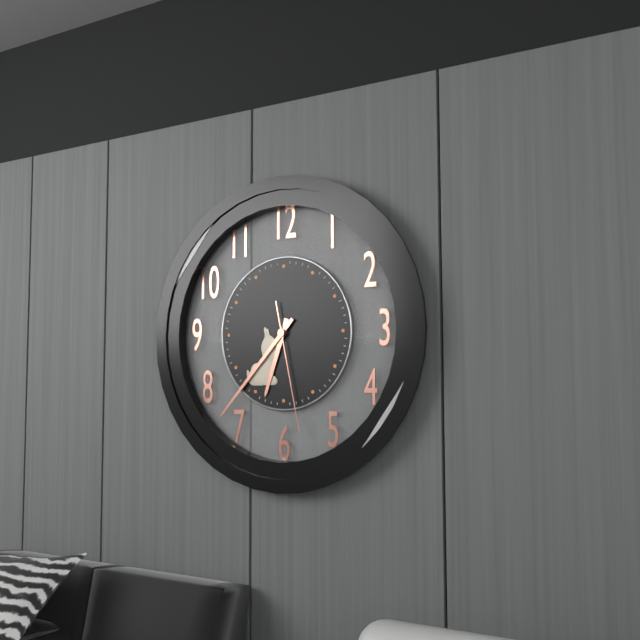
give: {"hour": 6, "minute": 37, "second": 28}
